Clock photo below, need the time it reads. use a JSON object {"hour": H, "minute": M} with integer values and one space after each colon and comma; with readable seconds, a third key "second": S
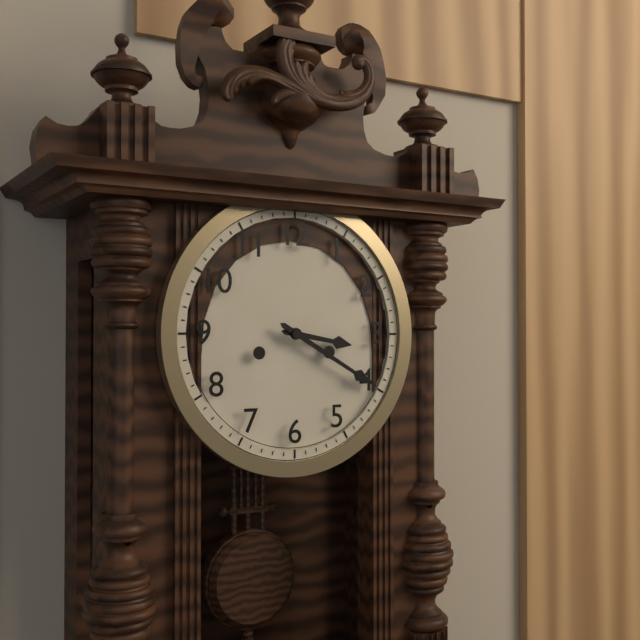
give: {"hour": 3, "minute": 20}
